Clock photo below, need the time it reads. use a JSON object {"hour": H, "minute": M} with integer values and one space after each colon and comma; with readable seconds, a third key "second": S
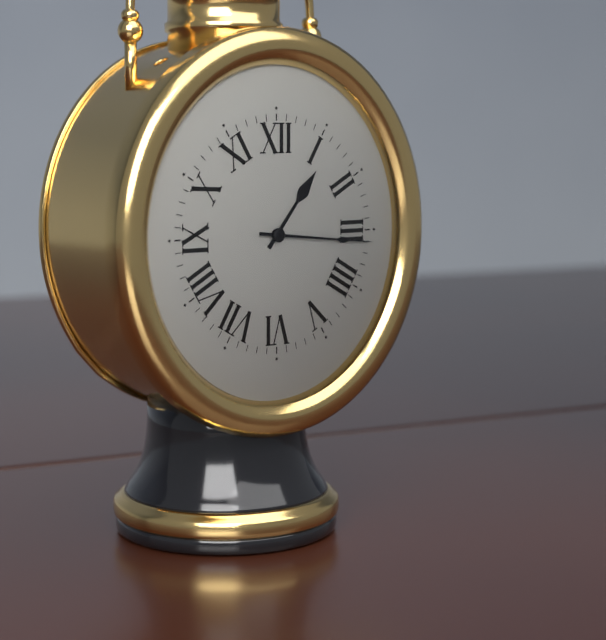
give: {"hour": 1, "minute": 16}
